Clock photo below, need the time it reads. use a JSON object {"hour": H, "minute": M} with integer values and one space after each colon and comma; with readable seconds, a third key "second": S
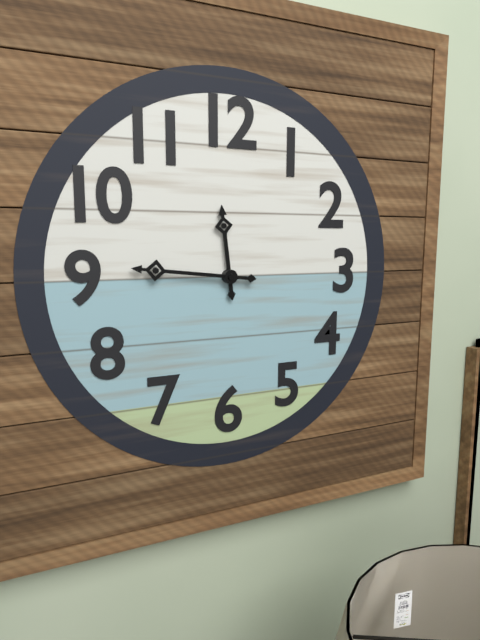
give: {"hour": 11, "minute": 46}
